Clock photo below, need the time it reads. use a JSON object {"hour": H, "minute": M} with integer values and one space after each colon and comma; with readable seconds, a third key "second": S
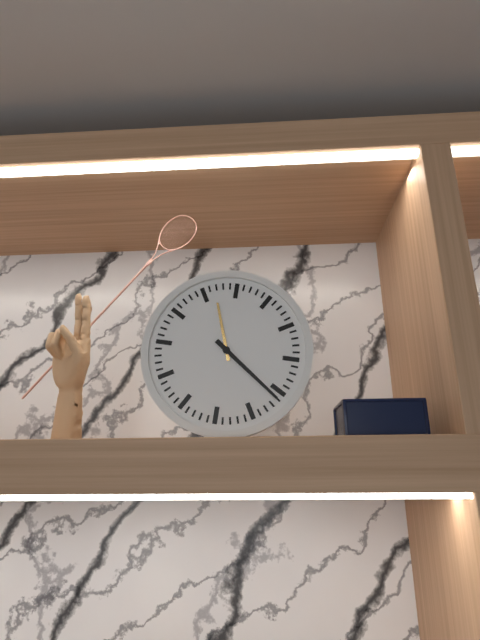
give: {"hour": 11, "minute": 21}
